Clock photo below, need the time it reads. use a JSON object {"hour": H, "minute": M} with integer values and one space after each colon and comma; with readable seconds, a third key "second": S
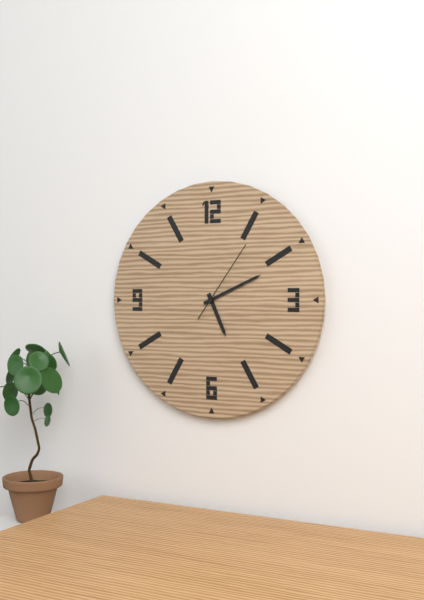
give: {"hour": 5, "minute": 11, "second": 6}
